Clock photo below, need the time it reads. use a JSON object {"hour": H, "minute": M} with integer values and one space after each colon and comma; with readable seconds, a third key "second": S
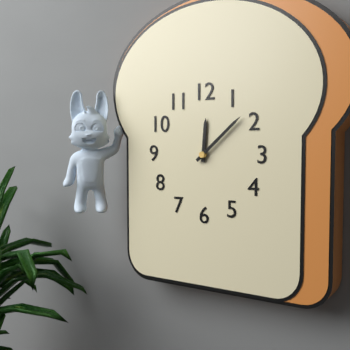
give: {"hour": 12, "minute": 8}
